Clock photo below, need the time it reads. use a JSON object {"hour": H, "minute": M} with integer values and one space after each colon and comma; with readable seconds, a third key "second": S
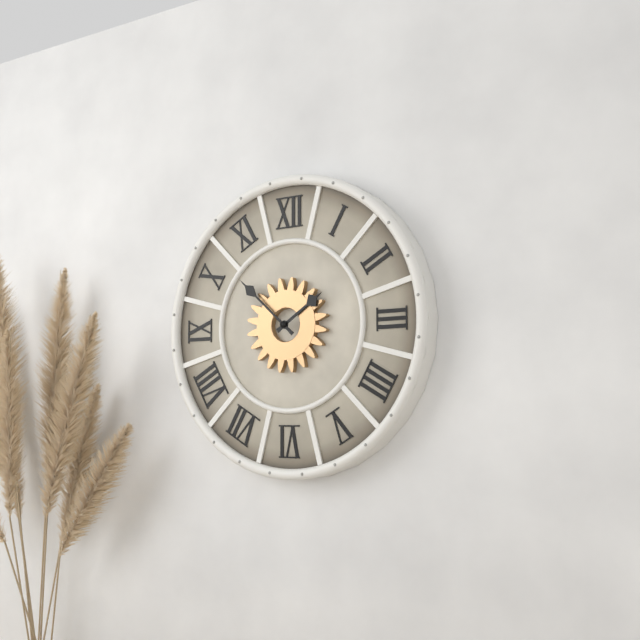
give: {"hour": 1, "minute": 52}
